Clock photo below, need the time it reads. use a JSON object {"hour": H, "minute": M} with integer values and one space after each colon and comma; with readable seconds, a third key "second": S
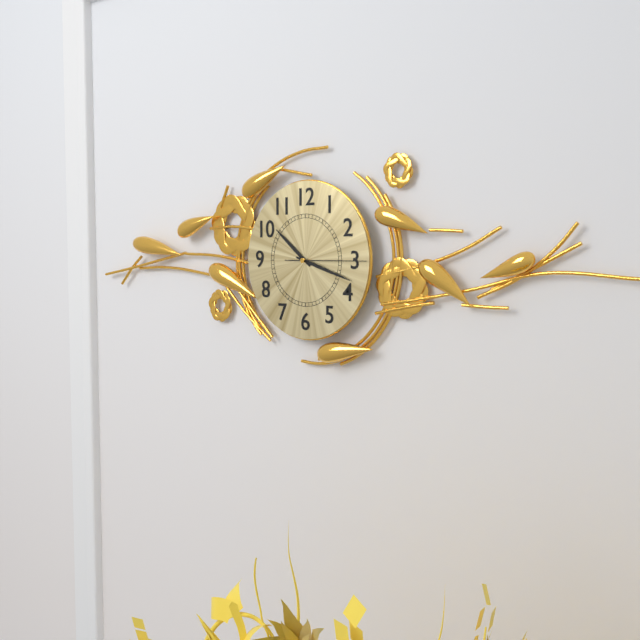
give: {"hour": 10, "minute": 18, "second": 15}
